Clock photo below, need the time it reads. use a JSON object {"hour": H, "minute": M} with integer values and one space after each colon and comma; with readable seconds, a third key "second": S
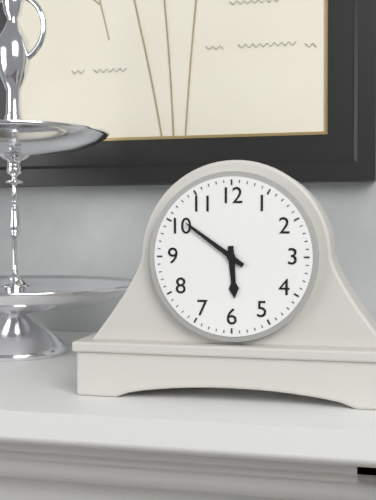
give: {"hour": 5, "minute": 51}
